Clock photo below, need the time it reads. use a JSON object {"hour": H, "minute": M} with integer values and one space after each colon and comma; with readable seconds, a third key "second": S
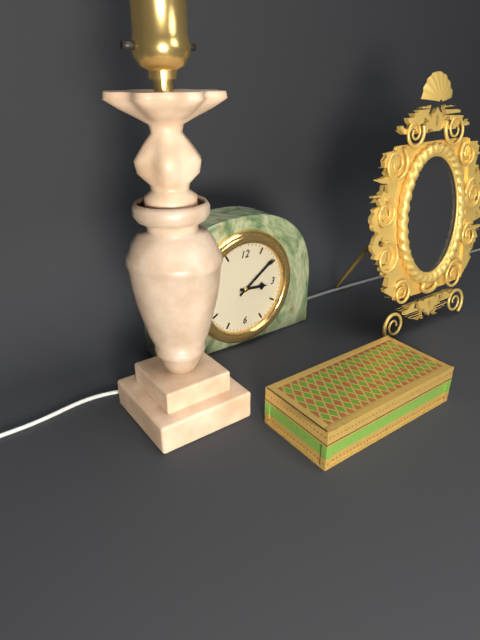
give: {"hour": 3, "minute": 9}
